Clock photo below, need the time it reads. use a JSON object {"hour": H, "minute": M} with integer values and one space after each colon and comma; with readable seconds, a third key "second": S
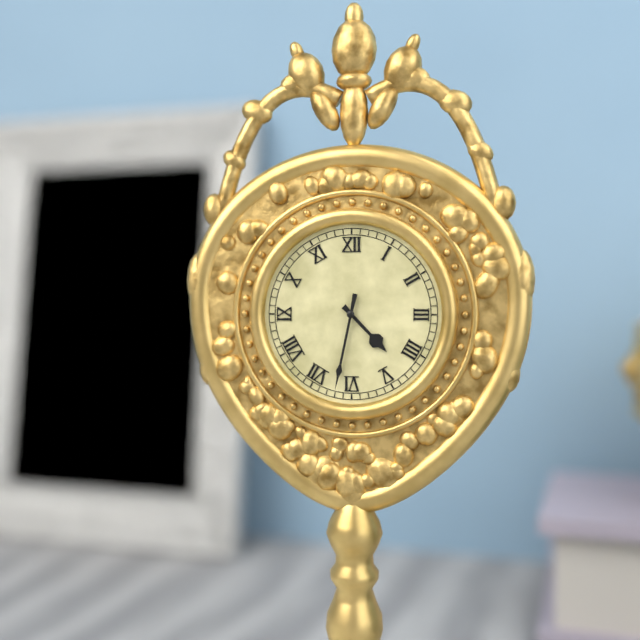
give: {"hour": 4, "minute": 32}
